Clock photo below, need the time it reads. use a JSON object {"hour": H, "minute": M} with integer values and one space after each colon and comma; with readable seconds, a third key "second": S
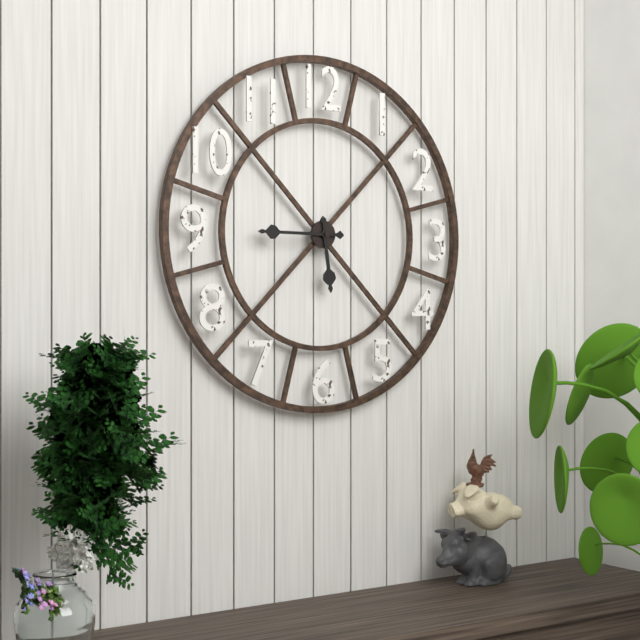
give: {"hour": 5, "minute": 45}
